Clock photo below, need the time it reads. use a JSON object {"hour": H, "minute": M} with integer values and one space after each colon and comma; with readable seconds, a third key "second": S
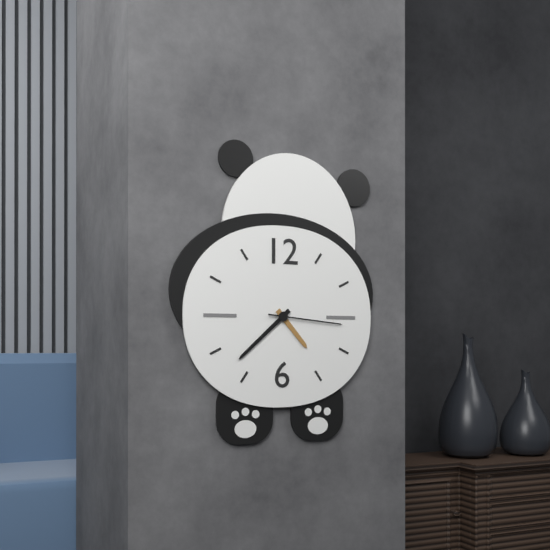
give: {"hour": 4, "minute": 38, "second": 16}
